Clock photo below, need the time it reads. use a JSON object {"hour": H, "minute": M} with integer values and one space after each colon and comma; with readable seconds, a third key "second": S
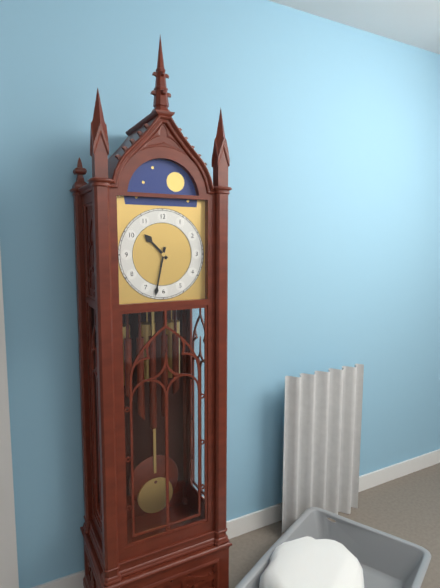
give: {"hour": 10, "minute": 32}
